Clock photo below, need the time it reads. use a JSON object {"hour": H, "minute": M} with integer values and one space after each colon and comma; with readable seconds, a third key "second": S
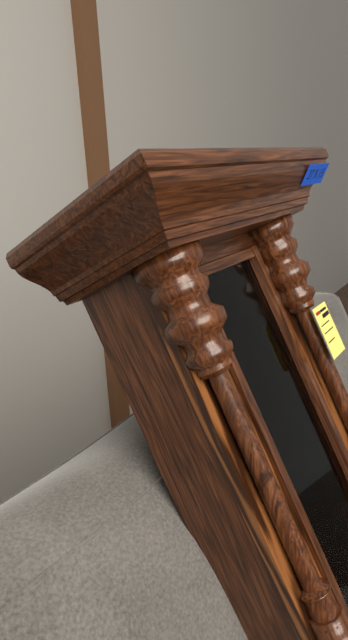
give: {"hour": 1, "minute": 19}
